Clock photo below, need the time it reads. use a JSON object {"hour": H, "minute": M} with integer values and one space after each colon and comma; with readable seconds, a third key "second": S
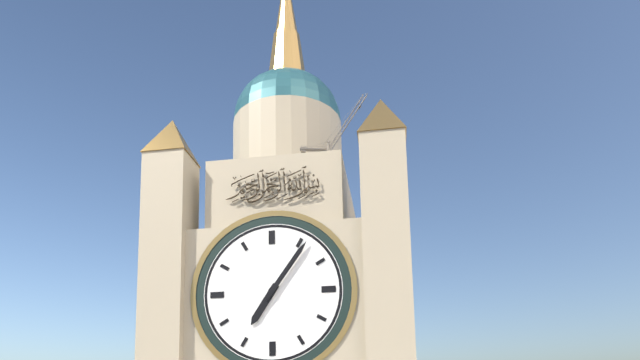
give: {"hour": 7, "minute": 6}
